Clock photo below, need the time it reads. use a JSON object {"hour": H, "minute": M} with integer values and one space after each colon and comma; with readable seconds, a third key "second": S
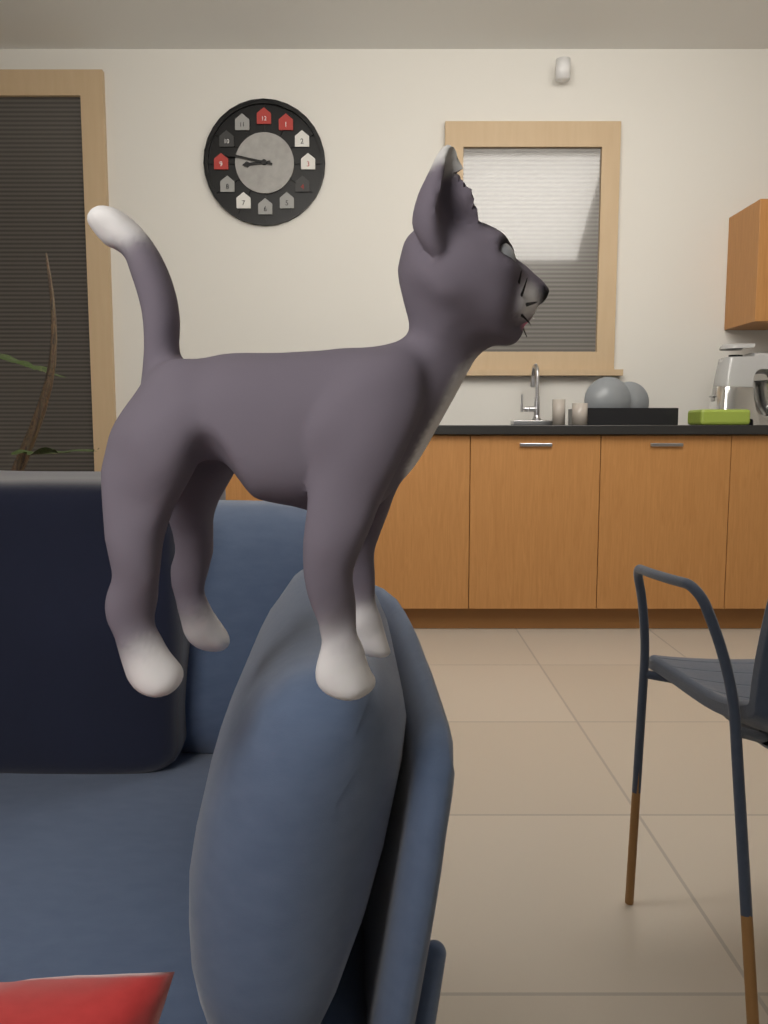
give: {"hour": 8, "minute": 47}
